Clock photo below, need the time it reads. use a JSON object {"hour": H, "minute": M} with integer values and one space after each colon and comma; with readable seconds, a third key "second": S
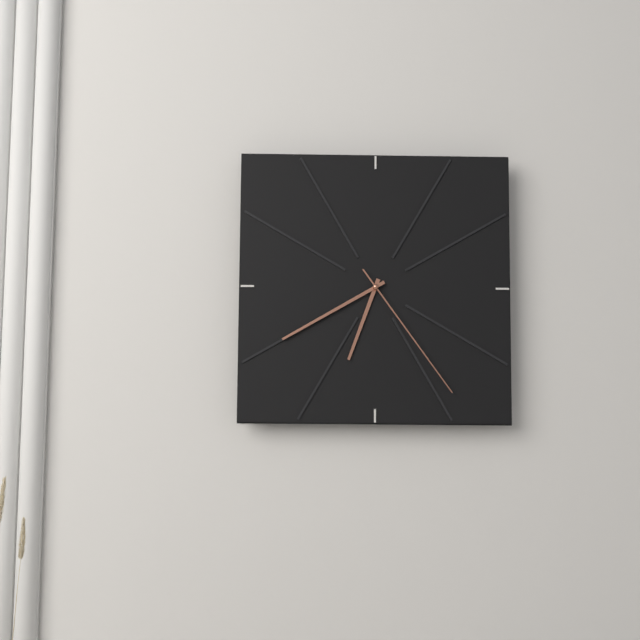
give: {"hour": 6, "minute": 40, "second": 24}
